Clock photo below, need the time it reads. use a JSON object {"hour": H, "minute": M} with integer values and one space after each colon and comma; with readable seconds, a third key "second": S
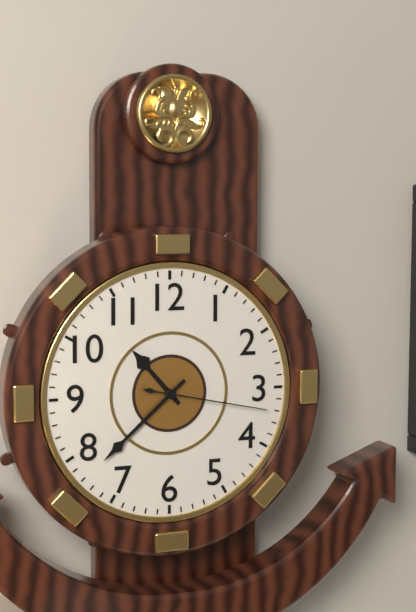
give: {"hour": 10, "minute": 38, "second": 17}
